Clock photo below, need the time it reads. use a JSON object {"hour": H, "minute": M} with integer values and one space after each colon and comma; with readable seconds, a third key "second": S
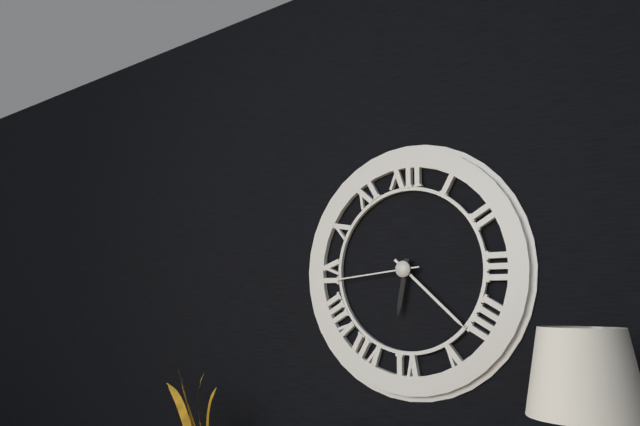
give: {"hour": 6, "minute": 22, "second": 44}
